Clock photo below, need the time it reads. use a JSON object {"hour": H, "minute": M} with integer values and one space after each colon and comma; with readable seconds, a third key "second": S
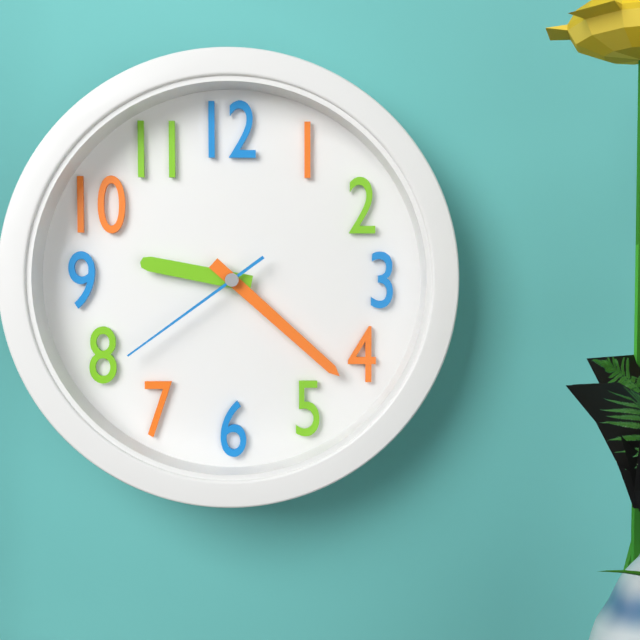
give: {"hour": 9, "minute": 22, "second": 39}
